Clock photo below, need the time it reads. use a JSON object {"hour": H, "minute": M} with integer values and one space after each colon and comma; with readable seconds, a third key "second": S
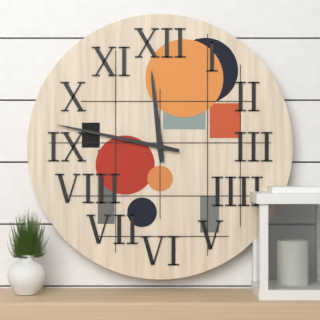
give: {"hour": 11, "minute": 47}
